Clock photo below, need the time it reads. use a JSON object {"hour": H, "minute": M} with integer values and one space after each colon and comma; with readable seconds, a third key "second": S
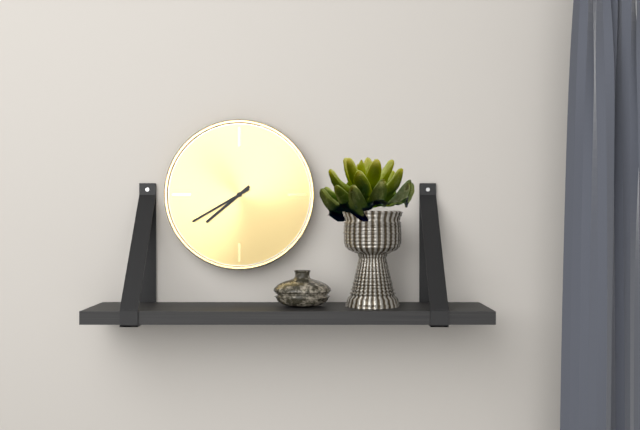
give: {"hour": 7, "minute": 40}
